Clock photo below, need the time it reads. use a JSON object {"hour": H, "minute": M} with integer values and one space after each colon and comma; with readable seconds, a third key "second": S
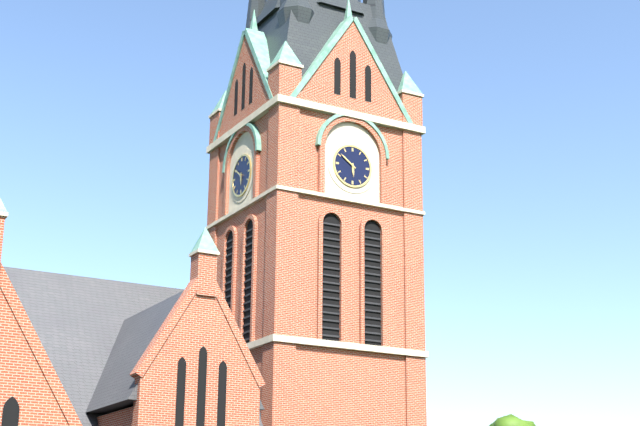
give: {"hour": 5, "minute": 51}
